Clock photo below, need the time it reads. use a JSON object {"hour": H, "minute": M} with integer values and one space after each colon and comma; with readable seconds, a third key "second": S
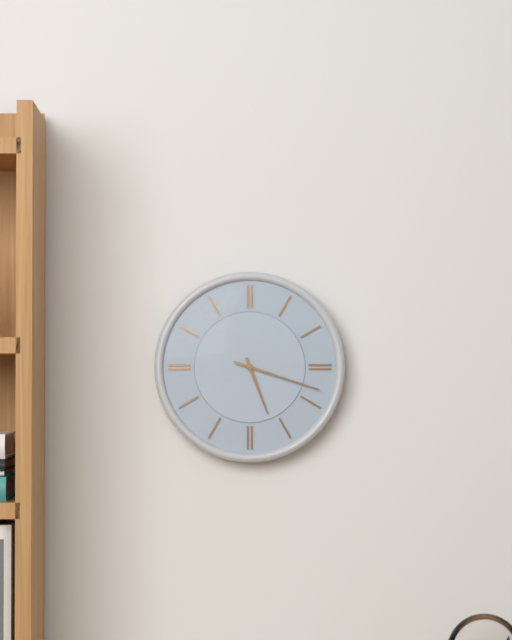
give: {"hour": 5, "minute": 18}
